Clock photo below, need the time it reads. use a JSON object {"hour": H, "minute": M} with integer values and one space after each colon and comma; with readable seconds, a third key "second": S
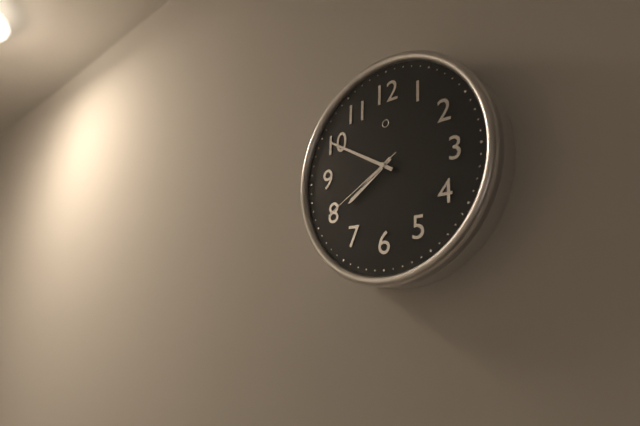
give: {"hour": 7, "minute": 50, "second": 40}
